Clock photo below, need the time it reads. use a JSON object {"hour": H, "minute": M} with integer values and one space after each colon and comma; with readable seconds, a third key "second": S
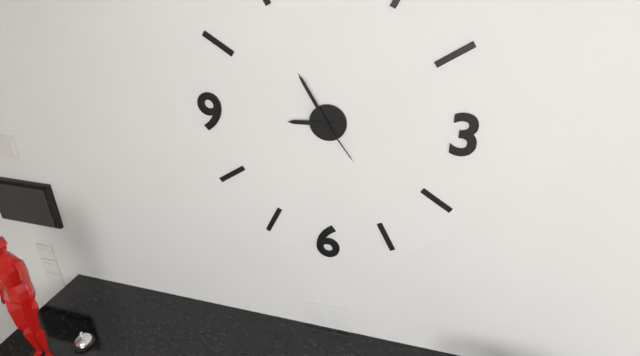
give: {"hour": 8, "minute": 55, "second": 24}
